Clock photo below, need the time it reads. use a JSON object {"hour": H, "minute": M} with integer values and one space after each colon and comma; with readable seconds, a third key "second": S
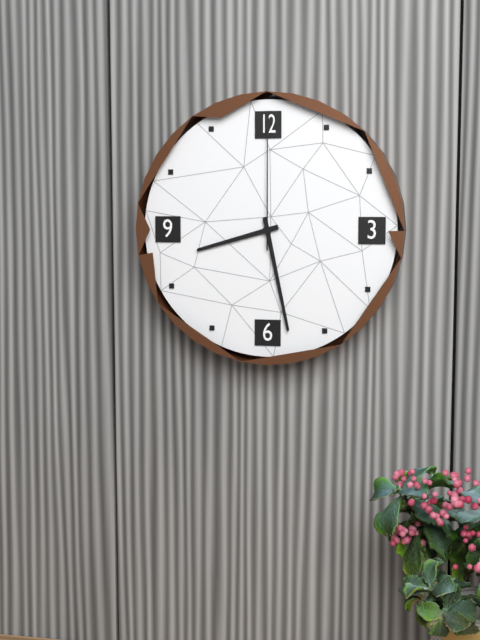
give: {"hour": 8, "minute": 28, "second": 0}
